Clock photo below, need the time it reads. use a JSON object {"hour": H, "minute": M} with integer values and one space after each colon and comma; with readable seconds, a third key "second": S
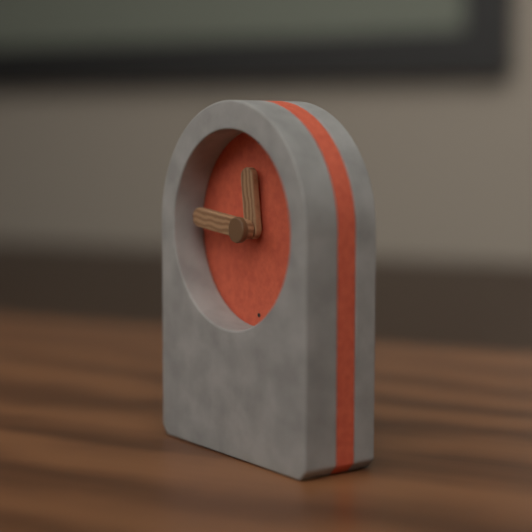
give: {"hour": 11, "minute": 46}
